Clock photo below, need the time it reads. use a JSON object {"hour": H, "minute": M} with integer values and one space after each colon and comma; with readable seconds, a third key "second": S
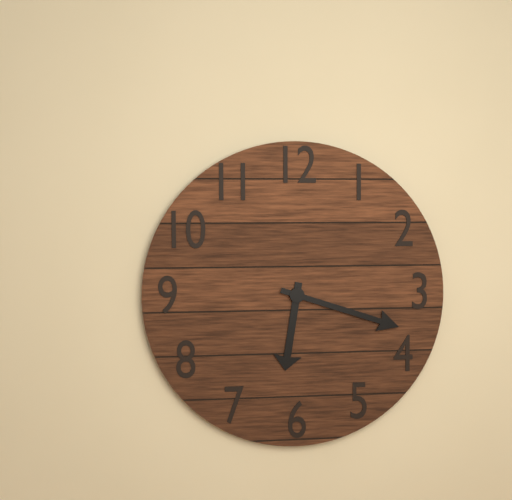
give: {"hour": 6, "minute": 18}
